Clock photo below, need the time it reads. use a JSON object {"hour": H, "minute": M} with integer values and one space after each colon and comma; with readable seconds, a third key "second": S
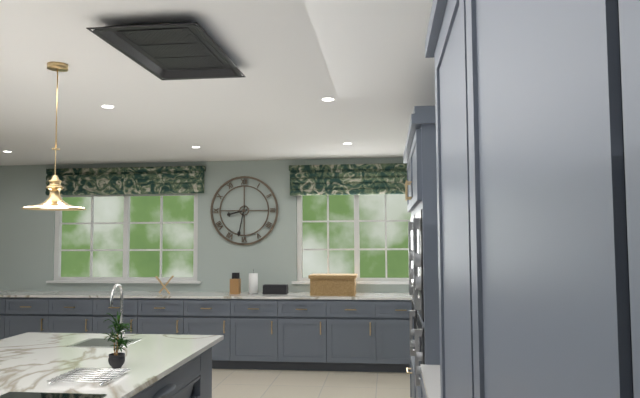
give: {"hour": 8, "minute": 32}
